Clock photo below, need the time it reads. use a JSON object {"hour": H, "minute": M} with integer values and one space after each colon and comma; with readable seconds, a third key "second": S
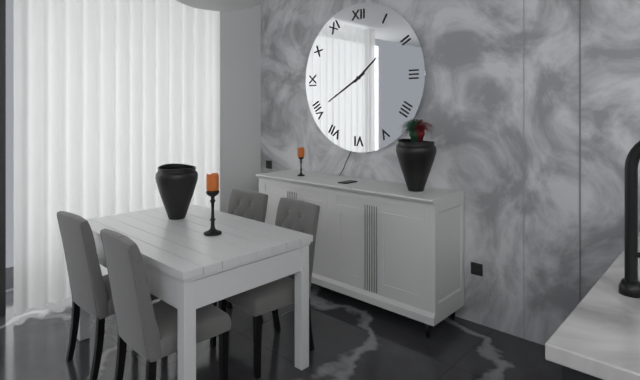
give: {"hour": 1, "minute": 40}
